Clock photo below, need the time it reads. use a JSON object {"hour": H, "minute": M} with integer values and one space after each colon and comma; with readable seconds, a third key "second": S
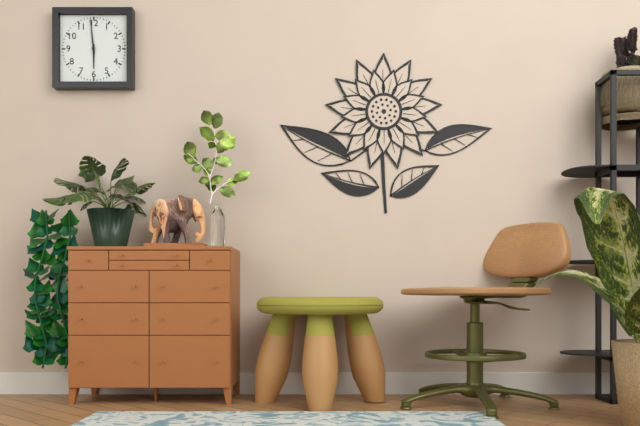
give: {"hour": 5, "minute": 59}
